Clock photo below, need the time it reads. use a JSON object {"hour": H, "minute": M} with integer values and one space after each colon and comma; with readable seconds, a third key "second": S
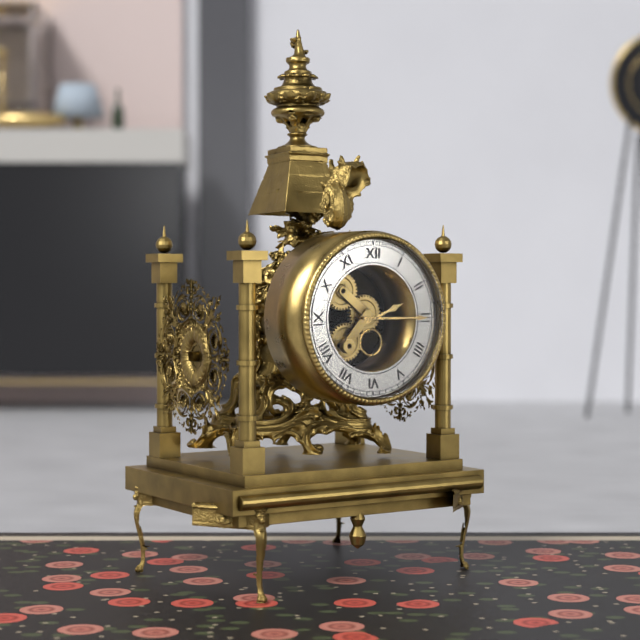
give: {"hour": 2, "minute": 15}
